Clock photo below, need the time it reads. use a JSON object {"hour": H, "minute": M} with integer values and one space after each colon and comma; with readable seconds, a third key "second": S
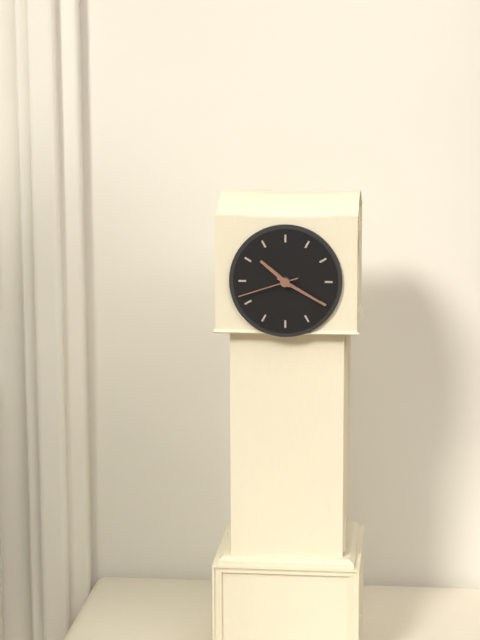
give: {"hour": 10, "minute": 20, "second": 42}
